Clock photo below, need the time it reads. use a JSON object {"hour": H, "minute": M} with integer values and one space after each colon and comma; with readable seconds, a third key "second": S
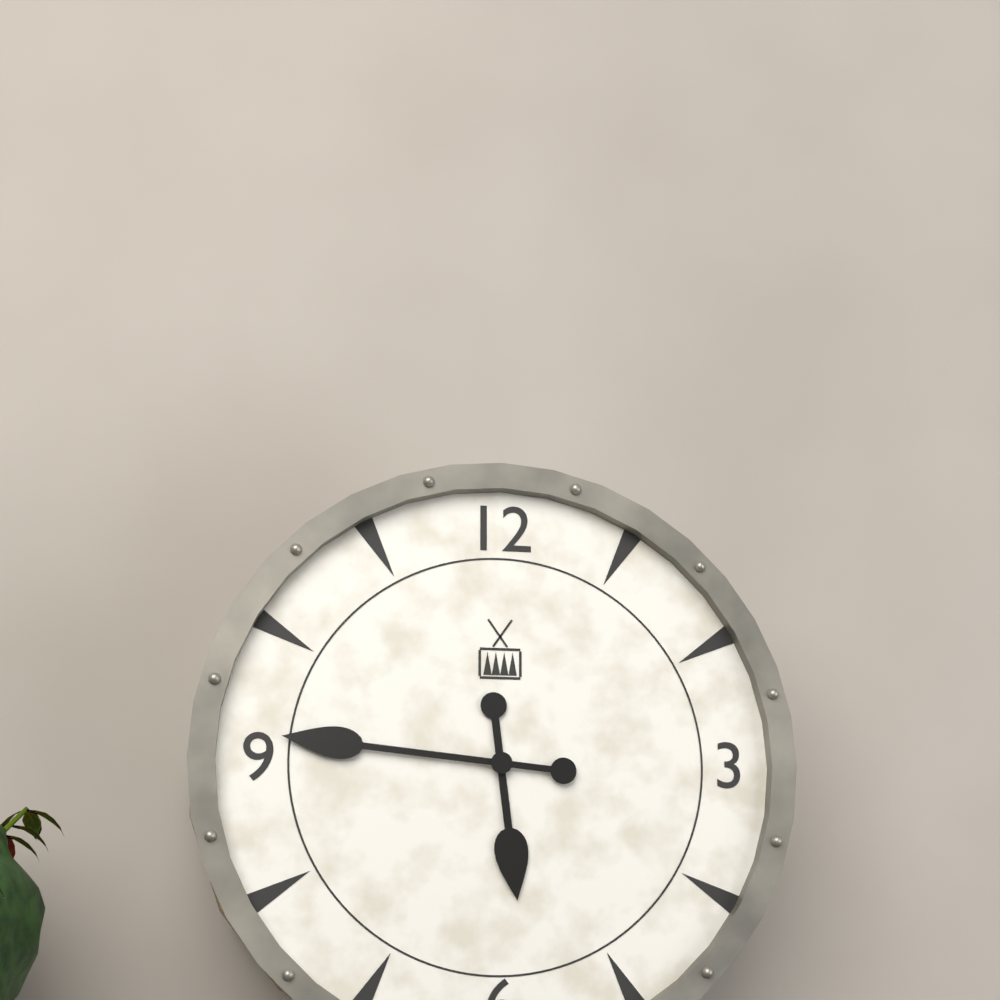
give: {"hour": 5, "minute": 46}
